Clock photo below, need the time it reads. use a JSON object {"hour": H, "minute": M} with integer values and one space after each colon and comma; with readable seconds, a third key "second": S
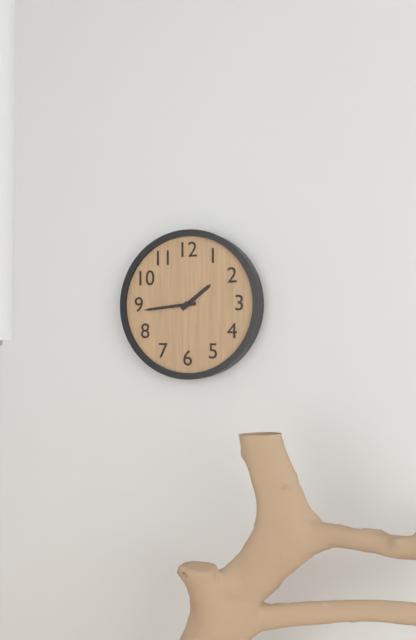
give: {"hour": 1, "minute": 44}
